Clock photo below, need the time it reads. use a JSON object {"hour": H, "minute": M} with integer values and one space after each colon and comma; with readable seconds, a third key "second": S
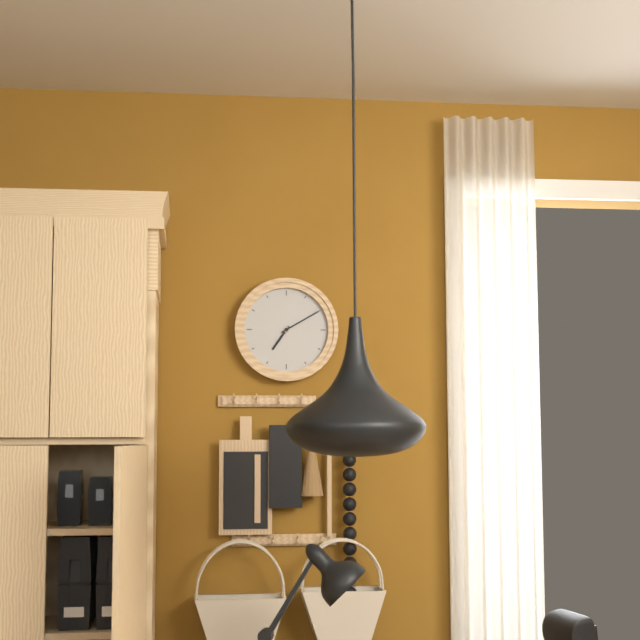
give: {"hour": 7, "minute": 10}
